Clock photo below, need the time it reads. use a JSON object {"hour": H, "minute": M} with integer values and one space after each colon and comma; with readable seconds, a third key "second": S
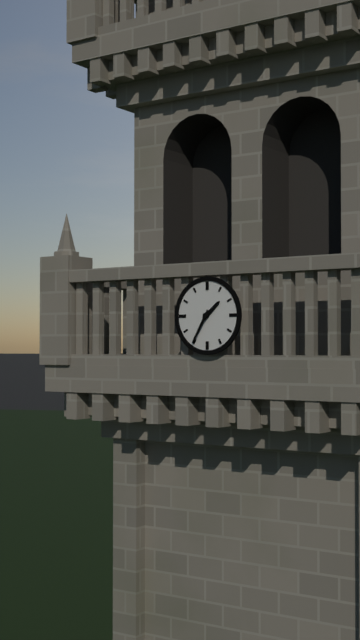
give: {"hour": 1, "minute": 35}
